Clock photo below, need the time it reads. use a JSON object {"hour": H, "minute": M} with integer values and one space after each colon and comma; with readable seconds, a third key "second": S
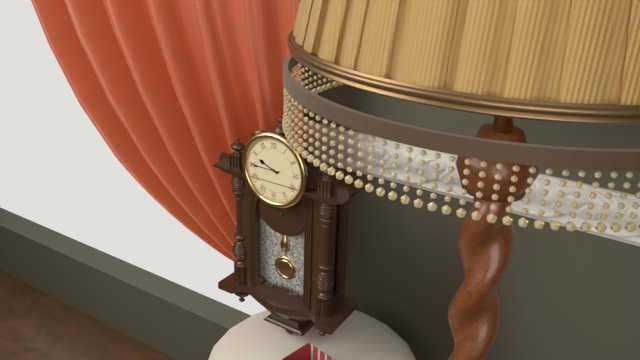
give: {"hour": 9, "minute": 45}
